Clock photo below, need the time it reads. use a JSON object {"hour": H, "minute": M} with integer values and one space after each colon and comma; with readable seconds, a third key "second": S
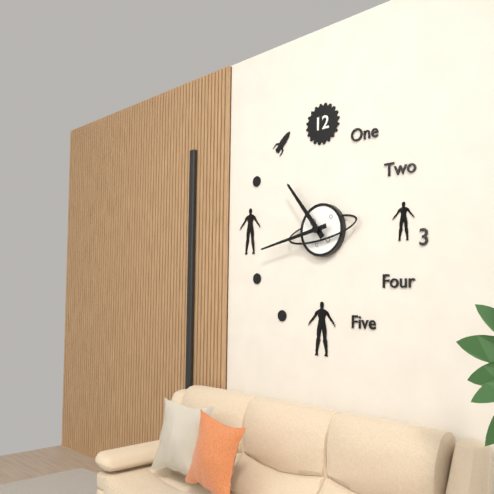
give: {"hour": 10, "minute": 43}
